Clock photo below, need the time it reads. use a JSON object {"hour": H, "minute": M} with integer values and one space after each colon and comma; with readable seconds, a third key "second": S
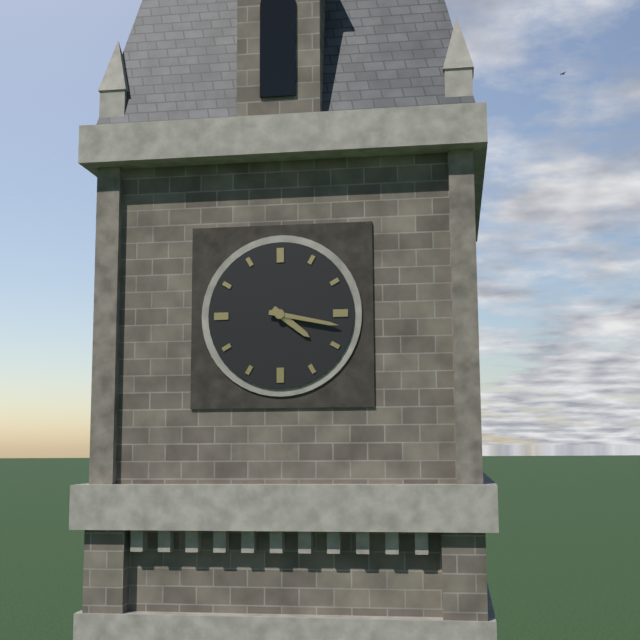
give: {"hour": 4, "minute": 17}
